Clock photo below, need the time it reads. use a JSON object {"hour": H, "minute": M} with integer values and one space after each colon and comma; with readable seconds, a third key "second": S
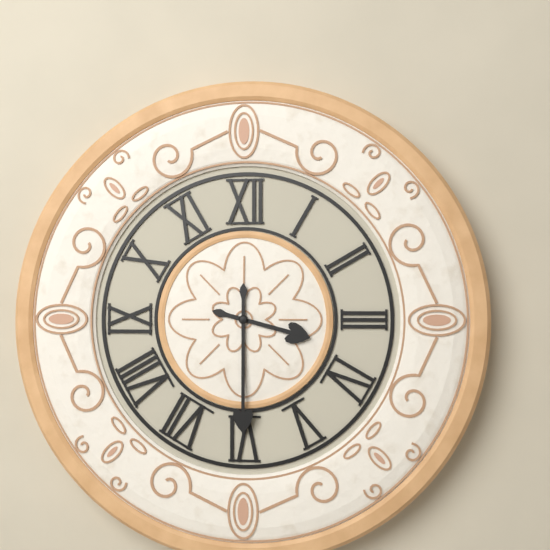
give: {"hour": 3, "minute": 30}
